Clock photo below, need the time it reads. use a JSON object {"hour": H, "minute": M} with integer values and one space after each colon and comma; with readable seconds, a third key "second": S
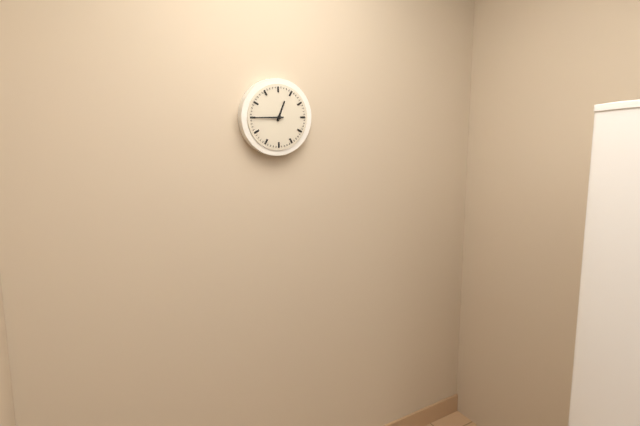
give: {"hour": 12, "minute": 45}
